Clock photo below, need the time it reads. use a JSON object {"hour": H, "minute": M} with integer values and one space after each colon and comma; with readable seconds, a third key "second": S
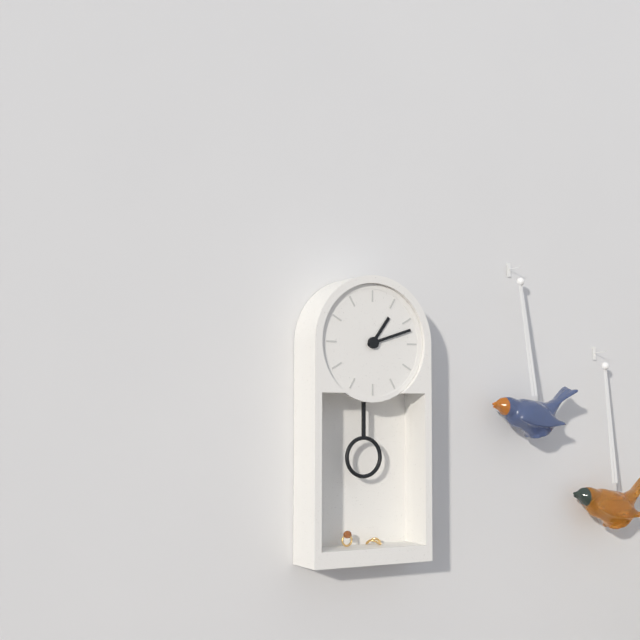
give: {"hour": 1, "minute": 12}
